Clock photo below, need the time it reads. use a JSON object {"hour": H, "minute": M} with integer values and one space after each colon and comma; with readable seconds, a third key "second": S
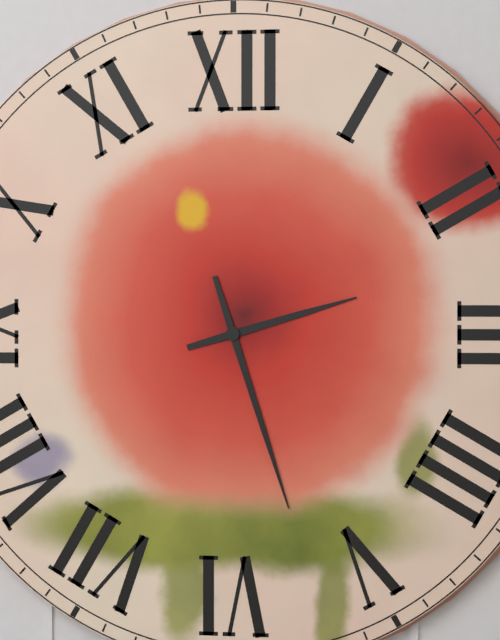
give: {"hour": 2, "minute": 27}
